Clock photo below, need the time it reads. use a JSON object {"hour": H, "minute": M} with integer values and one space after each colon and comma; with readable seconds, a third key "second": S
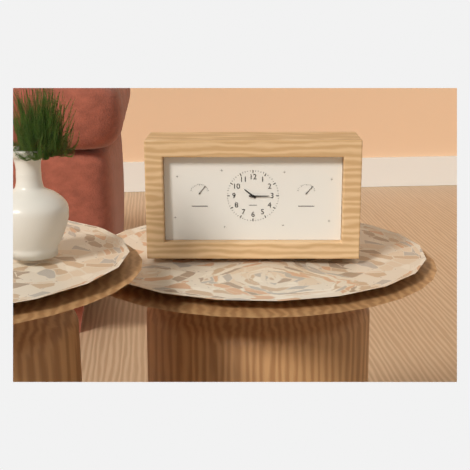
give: {"hour": 10, "minute": 15}
